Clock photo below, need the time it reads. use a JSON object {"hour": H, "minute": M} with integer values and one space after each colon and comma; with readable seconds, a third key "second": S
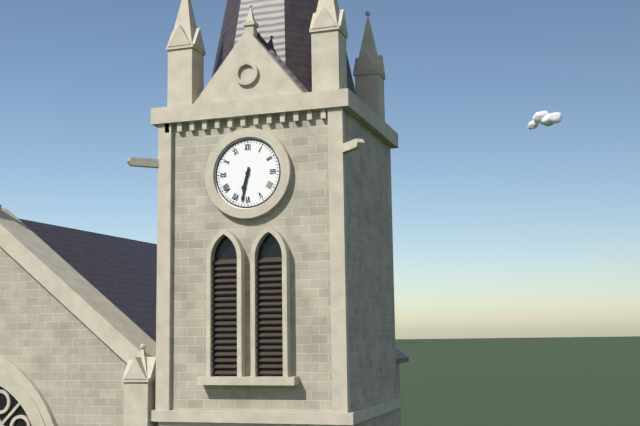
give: {"hour": 6, "minute": 32}
